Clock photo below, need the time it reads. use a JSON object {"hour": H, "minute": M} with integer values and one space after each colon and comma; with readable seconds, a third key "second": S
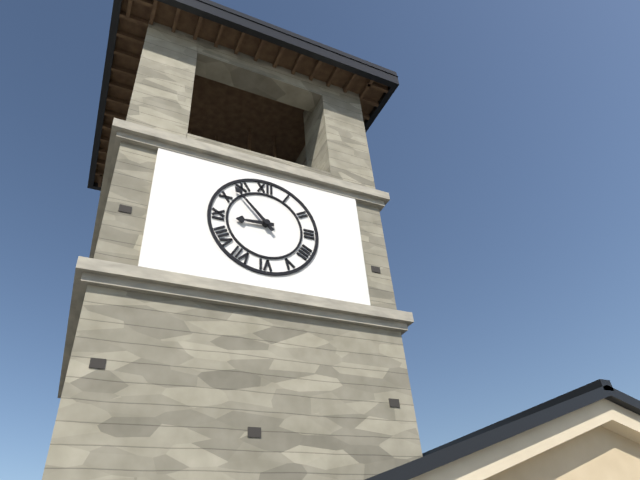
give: {"hour": 8, "minute": 53}
